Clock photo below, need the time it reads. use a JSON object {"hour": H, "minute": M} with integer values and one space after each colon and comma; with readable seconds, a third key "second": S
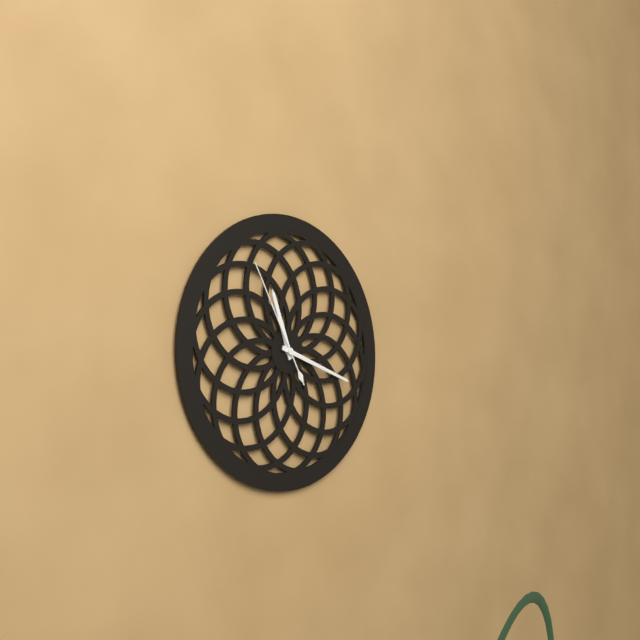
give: {"hour": 11, "minute": 18, "second": 55}
